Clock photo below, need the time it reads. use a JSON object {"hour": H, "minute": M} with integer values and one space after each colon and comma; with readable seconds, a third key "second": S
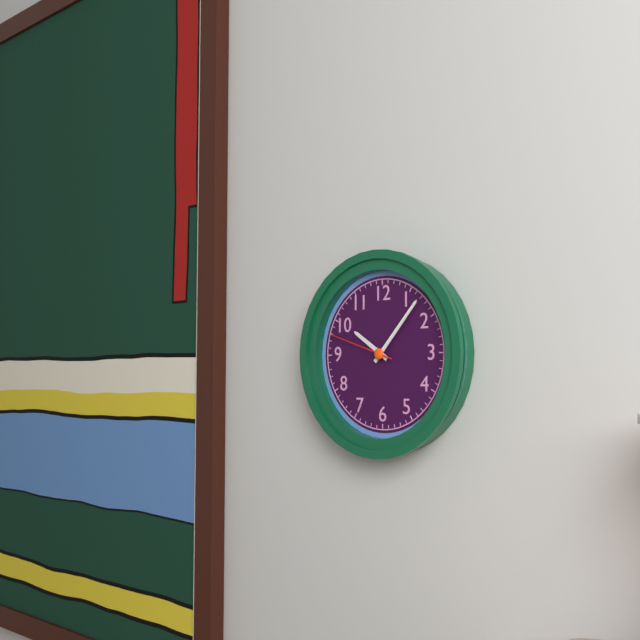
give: {"hour": 10, "minute": 7, "second": 48}
